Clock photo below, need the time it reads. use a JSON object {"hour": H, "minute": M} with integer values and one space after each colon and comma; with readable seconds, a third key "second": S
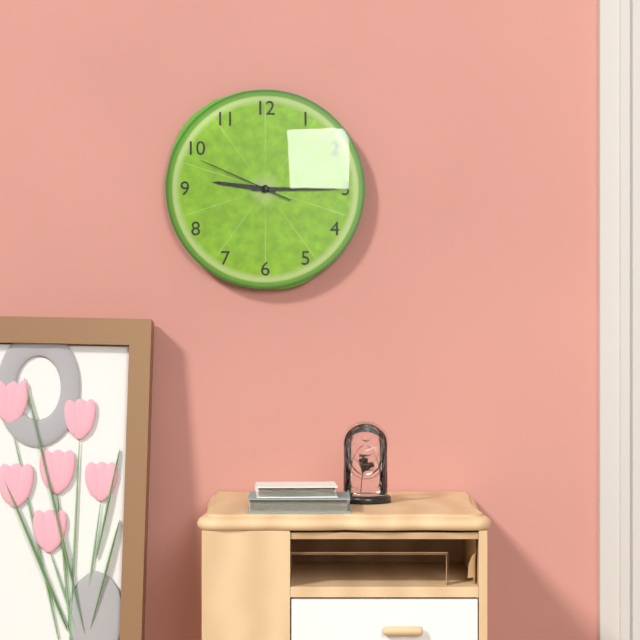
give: {"hour": 9, "minute": 15, "second": 49}
